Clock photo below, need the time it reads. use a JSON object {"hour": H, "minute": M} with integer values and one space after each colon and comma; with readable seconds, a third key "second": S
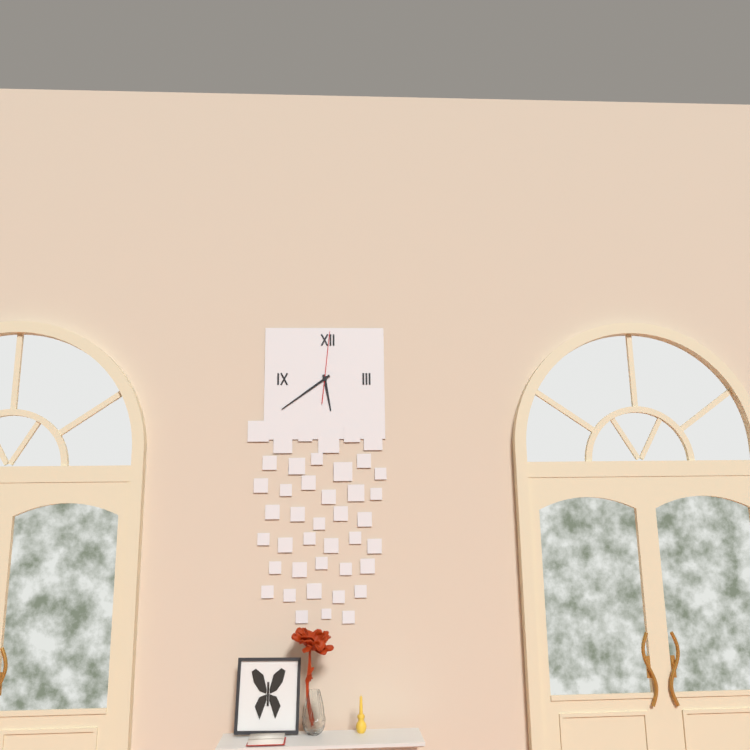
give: {"hour": 5, "minute": 39, "second": 1}
